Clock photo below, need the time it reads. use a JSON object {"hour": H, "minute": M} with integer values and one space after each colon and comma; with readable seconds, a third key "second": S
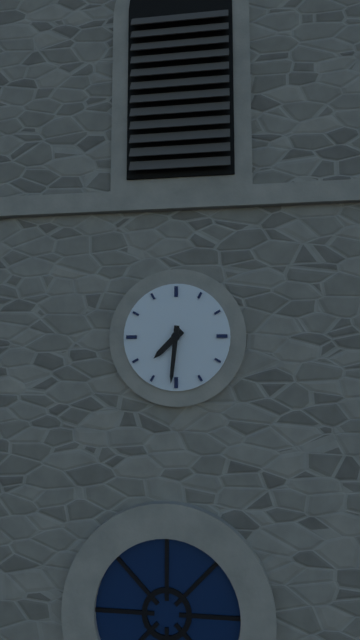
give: {"hour": 7, "minute": 31}
